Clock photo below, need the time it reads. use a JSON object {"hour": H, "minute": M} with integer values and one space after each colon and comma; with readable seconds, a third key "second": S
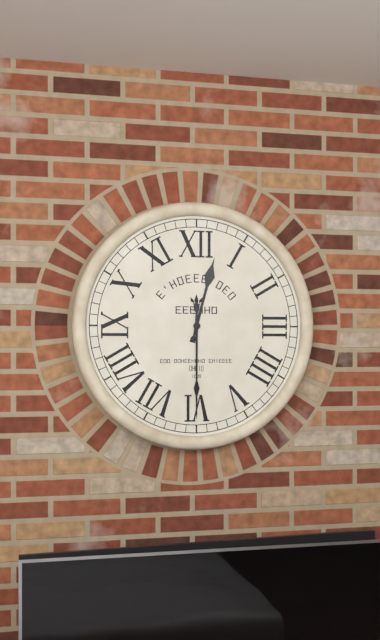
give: {"hour": 12, "minute": 30}
